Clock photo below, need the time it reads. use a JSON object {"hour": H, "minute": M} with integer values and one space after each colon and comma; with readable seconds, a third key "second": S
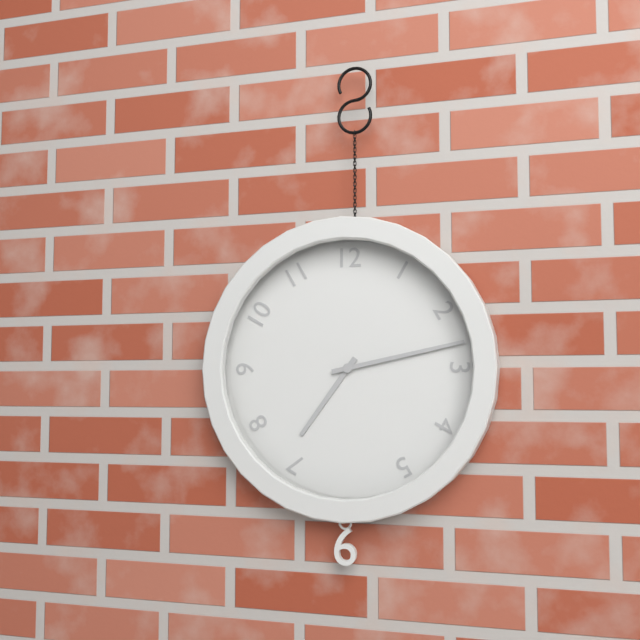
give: {"hour": 7, "minute": 13}
